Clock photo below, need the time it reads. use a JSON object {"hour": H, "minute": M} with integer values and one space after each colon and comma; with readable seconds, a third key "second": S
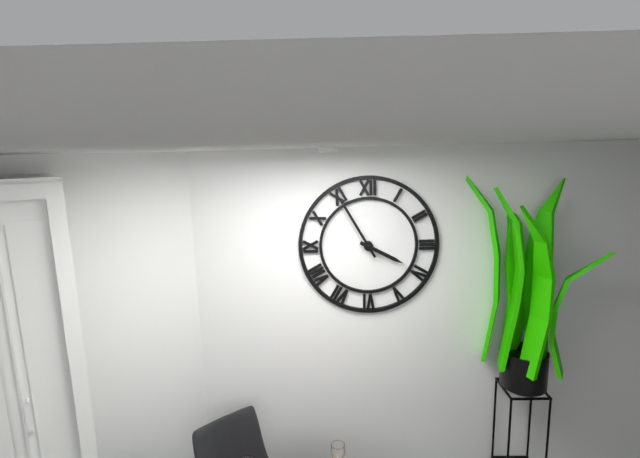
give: {"hour": 3, "minute": 55}
